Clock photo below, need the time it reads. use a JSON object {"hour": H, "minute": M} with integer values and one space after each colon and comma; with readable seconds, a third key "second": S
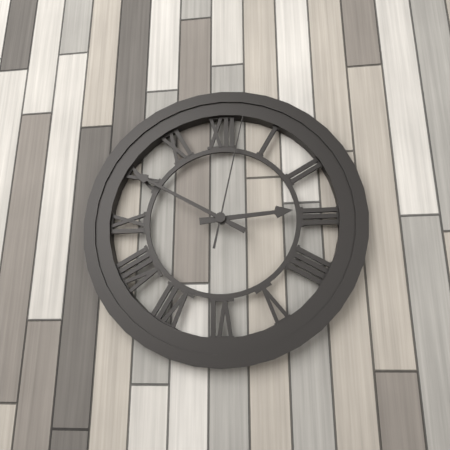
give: {"hour": 2, "minute": 50, "second": 2}
